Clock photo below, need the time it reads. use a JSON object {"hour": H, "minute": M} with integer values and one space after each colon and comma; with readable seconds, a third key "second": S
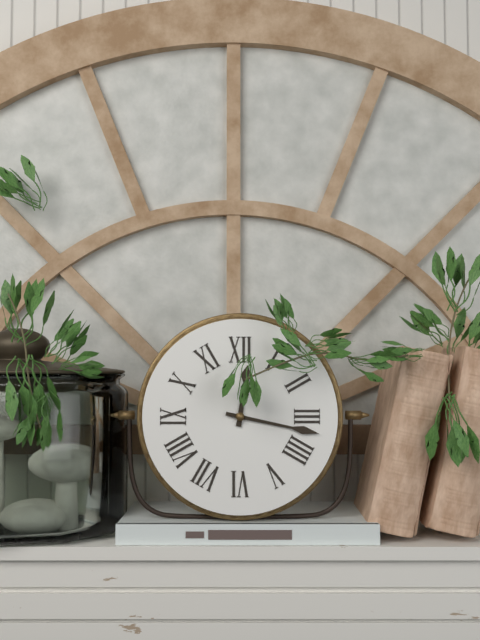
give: {"hour": 12, "minute": 17}
